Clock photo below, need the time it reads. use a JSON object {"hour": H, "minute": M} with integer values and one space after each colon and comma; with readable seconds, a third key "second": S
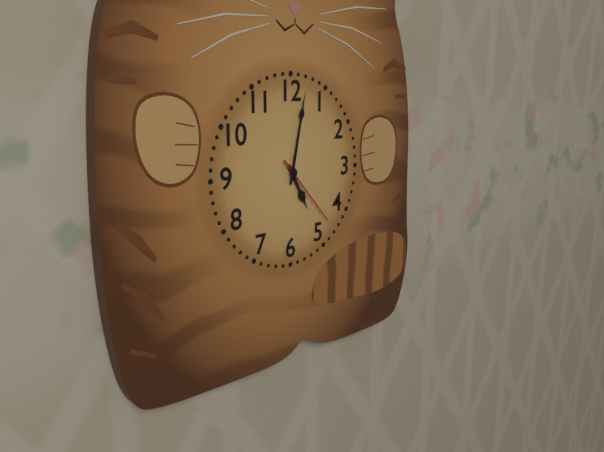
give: {"hour": 5, "minute": 2, "second": 23}
